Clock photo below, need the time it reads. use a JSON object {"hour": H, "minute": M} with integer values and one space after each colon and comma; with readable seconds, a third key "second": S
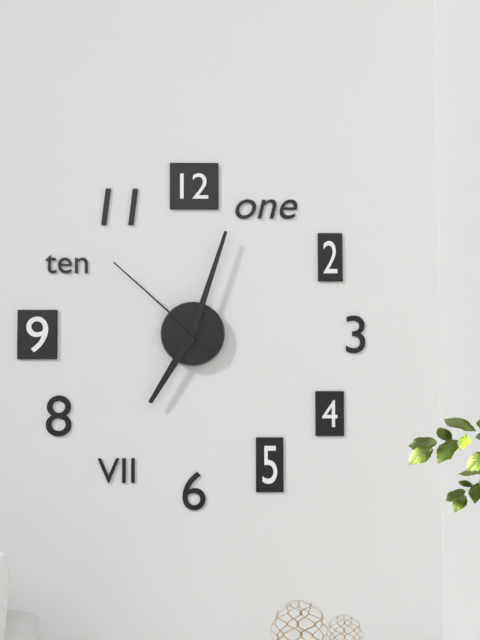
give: {"hour": 7, "minute": 3, "second": 52}
